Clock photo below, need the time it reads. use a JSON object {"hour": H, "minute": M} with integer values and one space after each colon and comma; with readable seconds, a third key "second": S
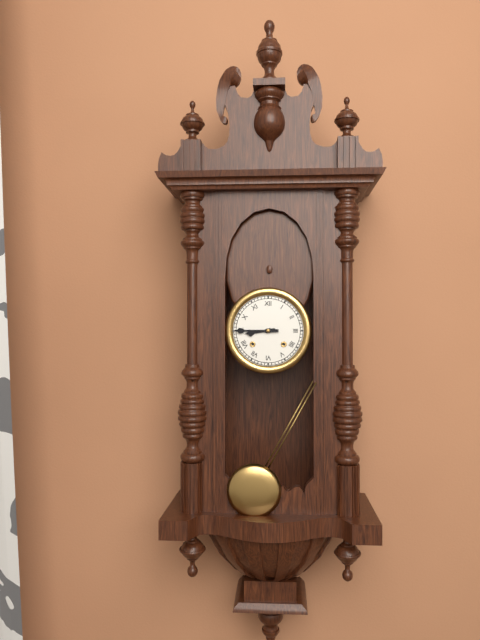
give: {"hour": 8, "minute": 45}
